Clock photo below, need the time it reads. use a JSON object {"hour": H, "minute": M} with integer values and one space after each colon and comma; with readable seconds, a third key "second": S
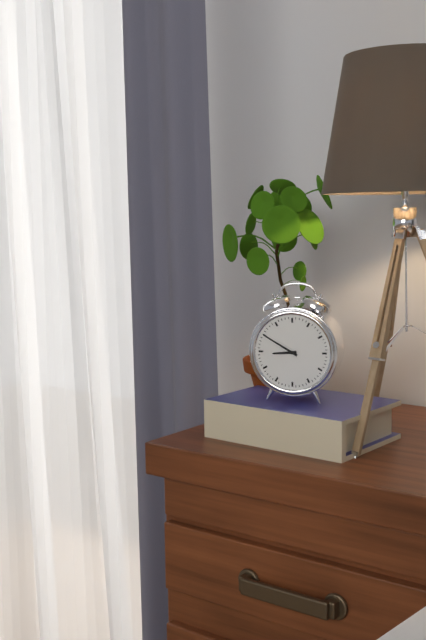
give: {"hour": 8, "minute": 50}
